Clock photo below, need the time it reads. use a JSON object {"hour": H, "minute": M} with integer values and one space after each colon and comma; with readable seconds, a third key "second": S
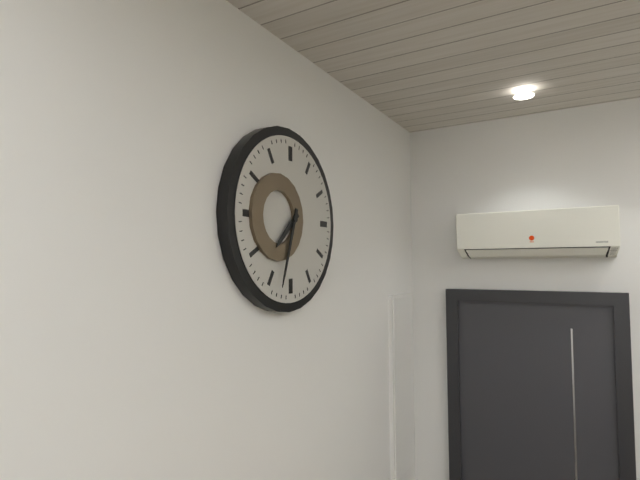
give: {"hour": 7, "minute": 33}
